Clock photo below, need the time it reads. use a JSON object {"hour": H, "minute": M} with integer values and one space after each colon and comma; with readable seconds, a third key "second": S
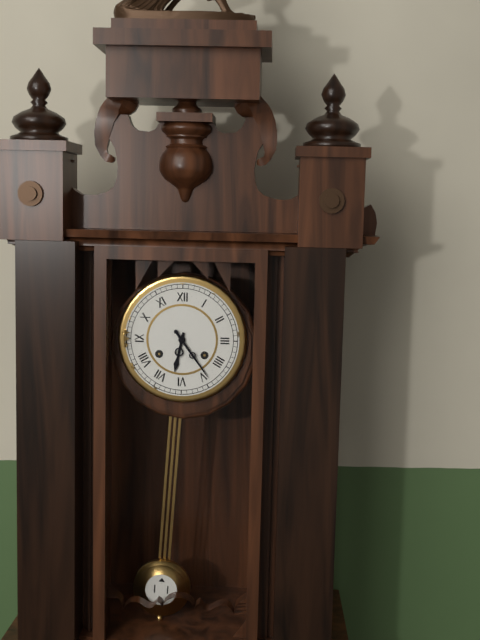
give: {"hour": 6, "minute": 24}
